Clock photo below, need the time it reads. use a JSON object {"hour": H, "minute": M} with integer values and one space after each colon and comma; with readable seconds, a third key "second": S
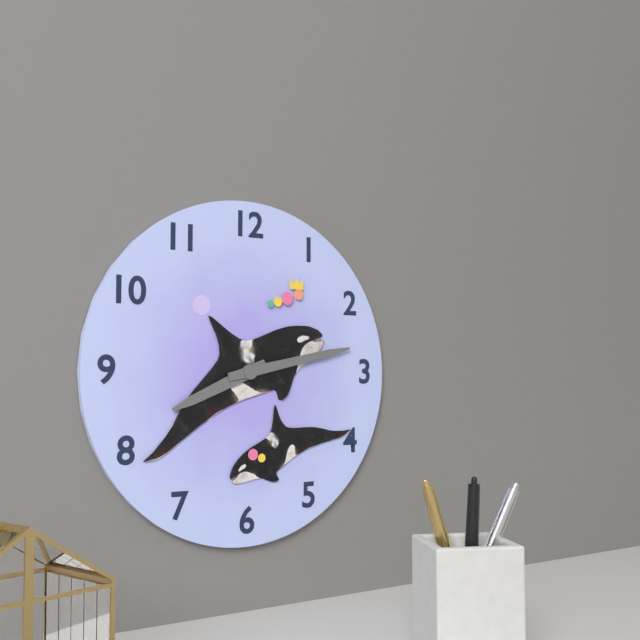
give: {"hour": 8, "minute": 13}
